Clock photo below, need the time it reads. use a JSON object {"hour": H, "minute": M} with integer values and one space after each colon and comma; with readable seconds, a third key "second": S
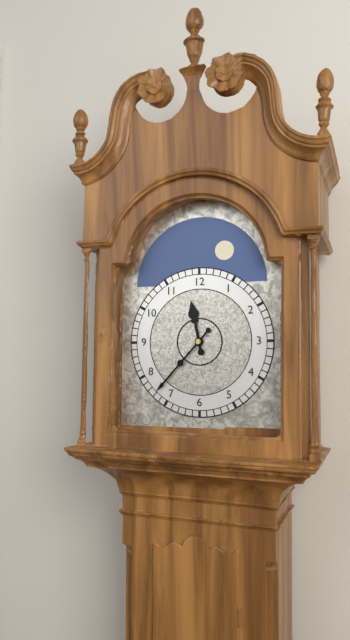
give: {"hour": 11, "minute": 37}
